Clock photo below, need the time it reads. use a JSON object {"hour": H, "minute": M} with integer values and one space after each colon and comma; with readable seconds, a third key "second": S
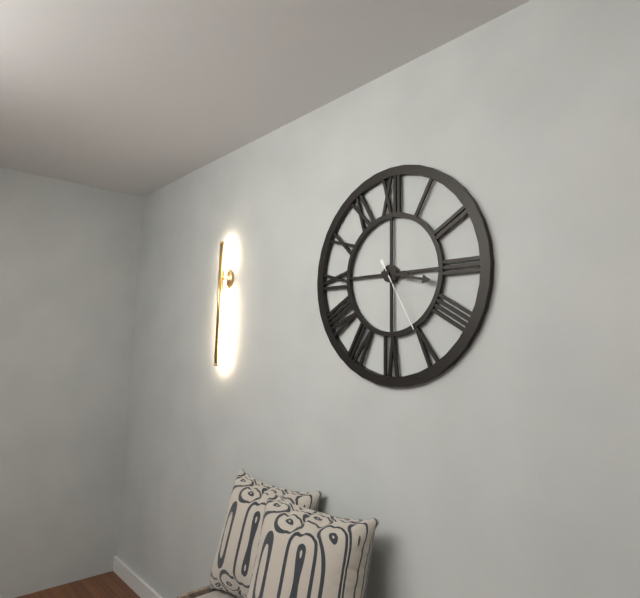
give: {"hour": 3, "minute": 17, "second": 25}
